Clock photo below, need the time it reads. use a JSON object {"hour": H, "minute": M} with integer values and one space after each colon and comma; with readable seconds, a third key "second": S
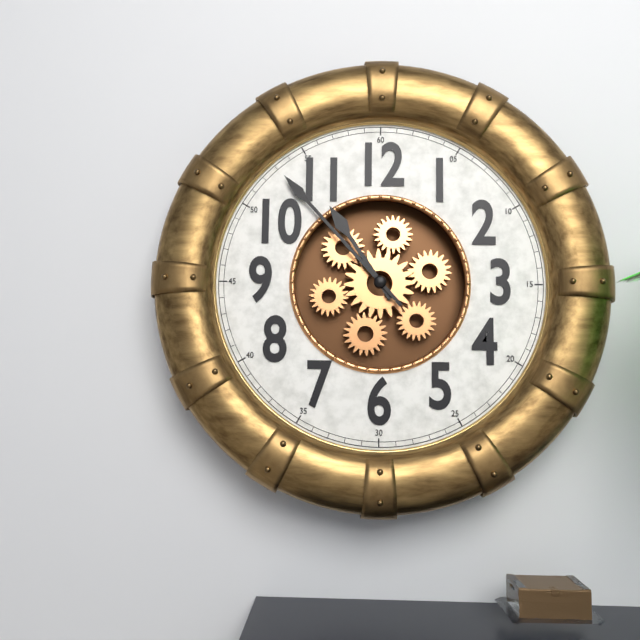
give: {"hour": 10, "minute": 53}
